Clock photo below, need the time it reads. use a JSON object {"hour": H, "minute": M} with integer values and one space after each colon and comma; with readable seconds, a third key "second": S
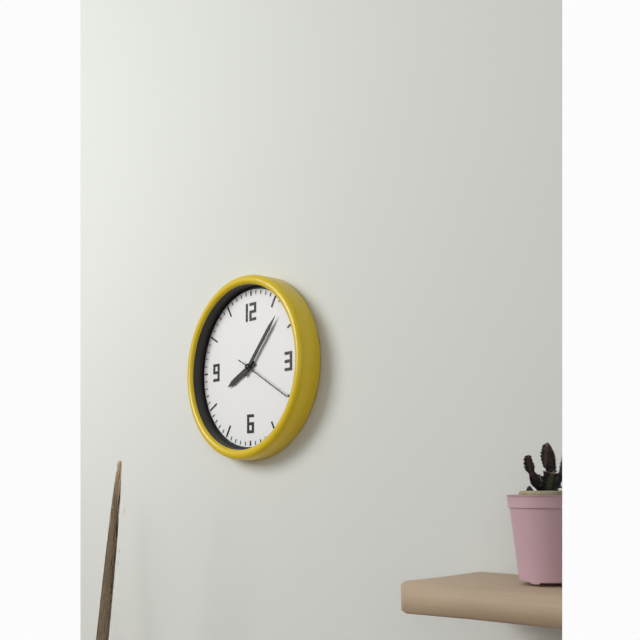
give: {"hour": 8, "minute": 7, "second": 20}
